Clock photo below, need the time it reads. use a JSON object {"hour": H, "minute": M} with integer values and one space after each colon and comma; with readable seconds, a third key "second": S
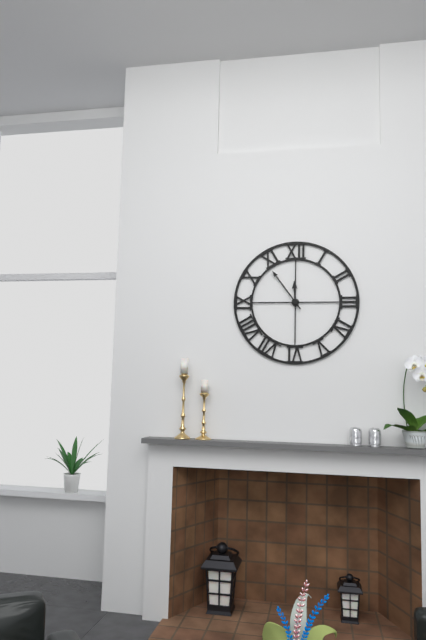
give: {"hour": 11, "minute": 54}
